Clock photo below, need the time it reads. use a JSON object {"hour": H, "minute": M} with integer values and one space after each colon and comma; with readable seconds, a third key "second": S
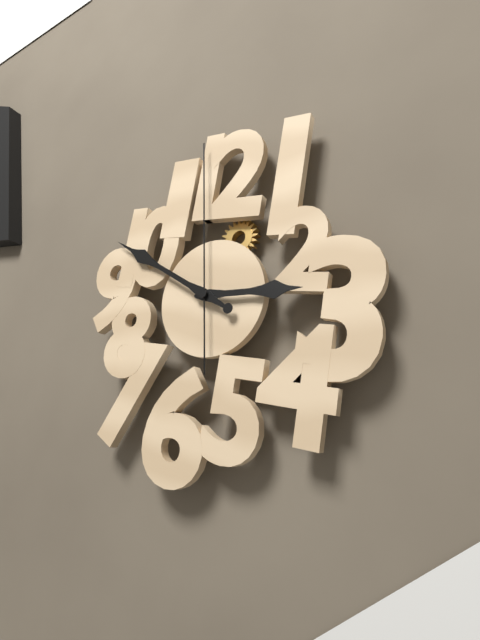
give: {"hour": 2, "minute": 49, "second": 58}
